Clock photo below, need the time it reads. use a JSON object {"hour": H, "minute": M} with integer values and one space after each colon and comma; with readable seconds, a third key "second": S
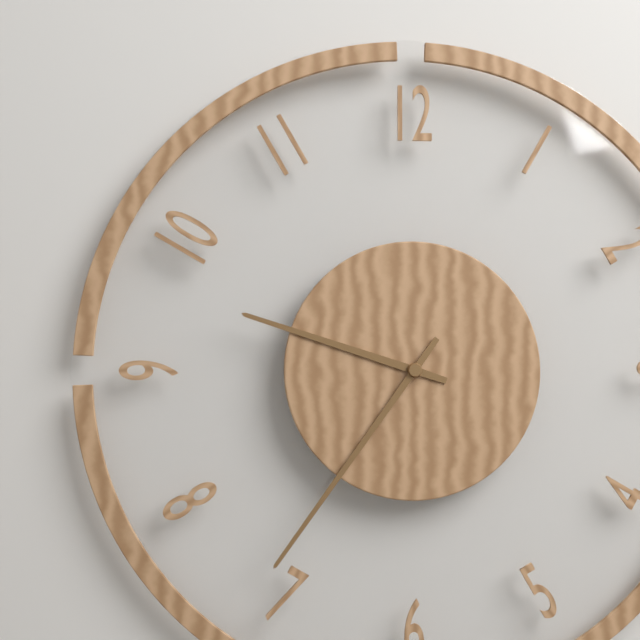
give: {"hour": 9, "minute": 36}
